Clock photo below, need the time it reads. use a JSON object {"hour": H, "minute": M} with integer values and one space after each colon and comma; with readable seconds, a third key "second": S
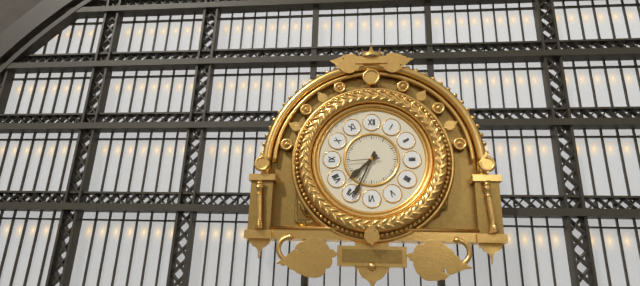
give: {"hour": 7, "minute": 34}
